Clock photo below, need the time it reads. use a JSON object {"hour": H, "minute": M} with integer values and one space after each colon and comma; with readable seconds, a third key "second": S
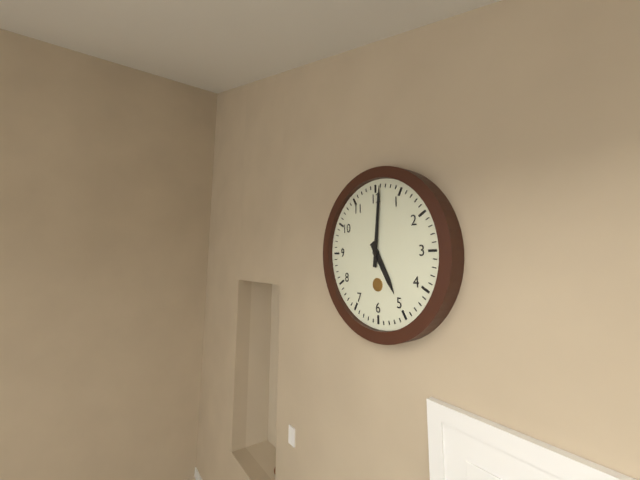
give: {"hour": 5, "minute": 1}
